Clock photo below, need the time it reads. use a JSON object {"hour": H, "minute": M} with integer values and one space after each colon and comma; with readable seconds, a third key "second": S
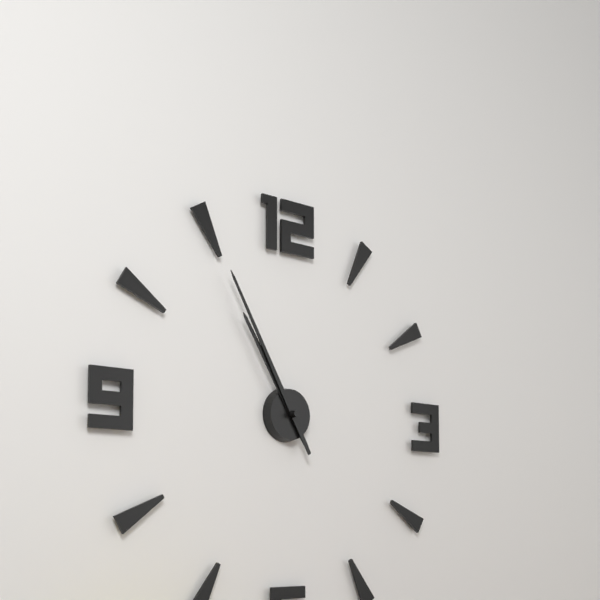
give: {"hour": 10, "minute": 55}
